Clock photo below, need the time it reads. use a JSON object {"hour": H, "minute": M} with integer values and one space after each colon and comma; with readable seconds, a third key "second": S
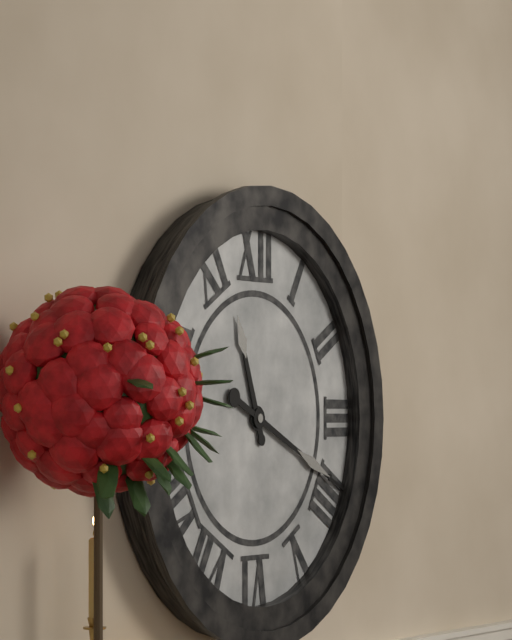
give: {"hour": 11, "minute": 19}
